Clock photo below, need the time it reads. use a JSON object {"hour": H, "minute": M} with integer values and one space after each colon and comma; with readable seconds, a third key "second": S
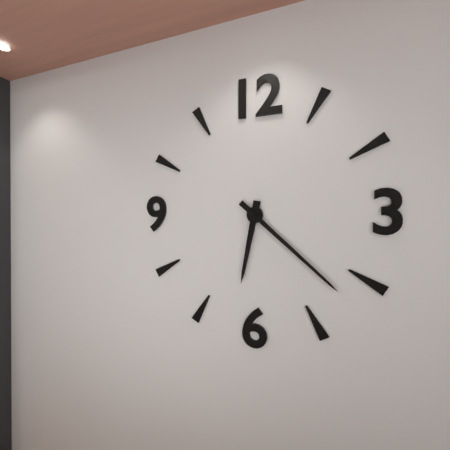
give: {"hour": 6, "minute": 22}
